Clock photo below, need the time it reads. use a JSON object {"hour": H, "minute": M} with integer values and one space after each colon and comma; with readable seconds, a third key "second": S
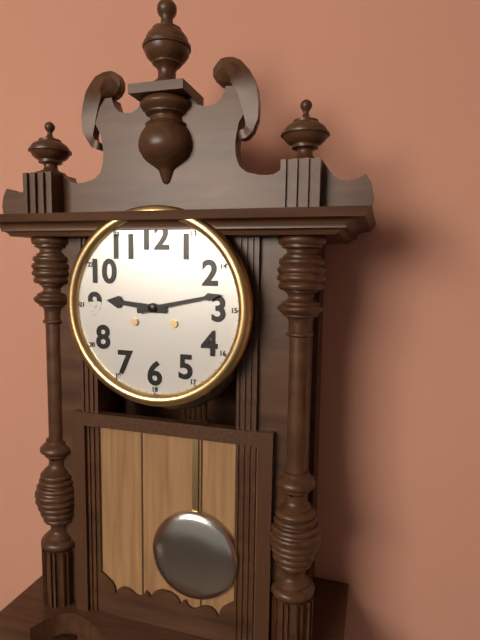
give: {"hour": 9, "minute": 13}
